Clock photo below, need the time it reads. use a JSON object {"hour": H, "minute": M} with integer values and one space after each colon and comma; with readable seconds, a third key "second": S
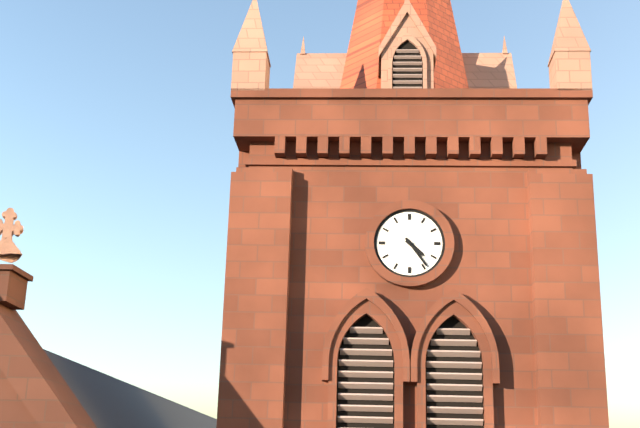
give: {"hour": 4, "minute": 24}
